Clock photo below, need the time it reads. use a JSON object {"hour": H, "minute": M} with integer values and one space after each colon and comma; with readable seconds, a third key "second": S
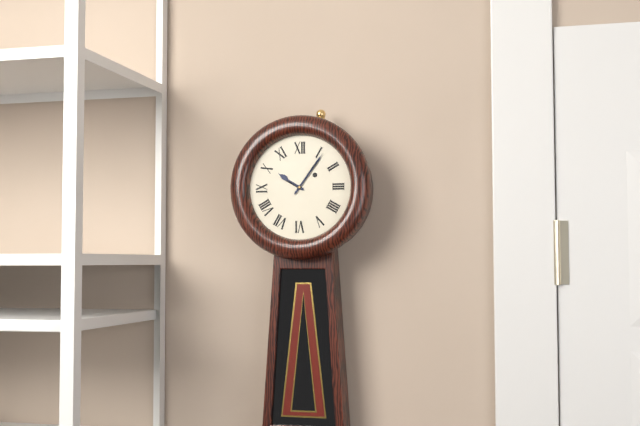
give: {"hour": 10, "minute": 6}
